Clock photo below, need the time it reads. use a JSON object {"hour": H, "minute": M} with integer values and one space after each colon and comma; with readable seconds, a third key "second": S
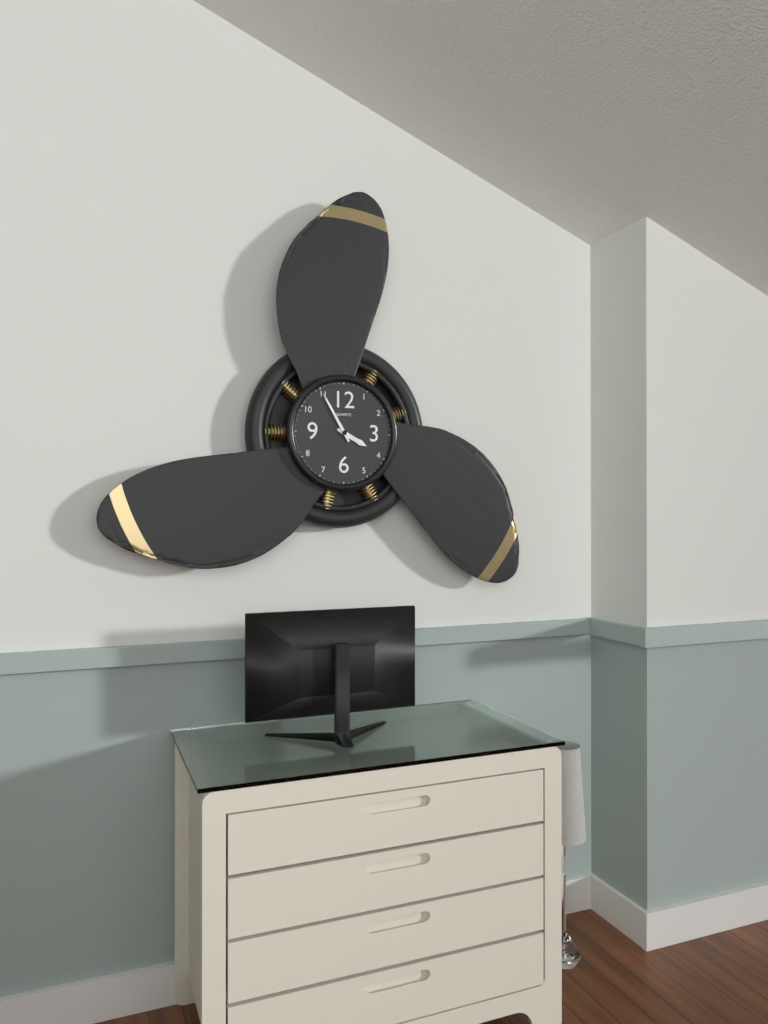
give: {"hour": 3, "minute": 55}
